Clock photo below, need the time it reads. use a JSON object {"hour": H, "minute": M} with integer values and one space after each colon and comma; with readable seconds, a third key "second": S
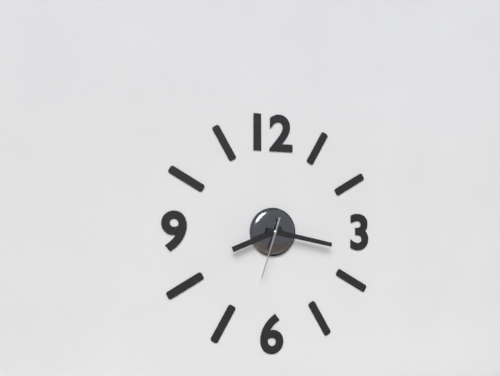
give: {"hour": 8, "minute": 17, "second": 33}
